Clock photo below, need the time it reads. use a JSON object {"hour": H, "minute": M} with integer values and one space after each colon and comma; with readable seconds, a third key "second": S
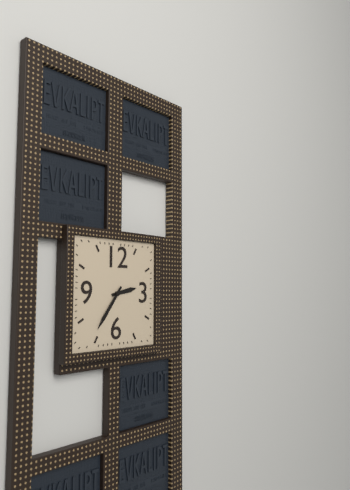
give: {"hour": 2, "minute": 36}
